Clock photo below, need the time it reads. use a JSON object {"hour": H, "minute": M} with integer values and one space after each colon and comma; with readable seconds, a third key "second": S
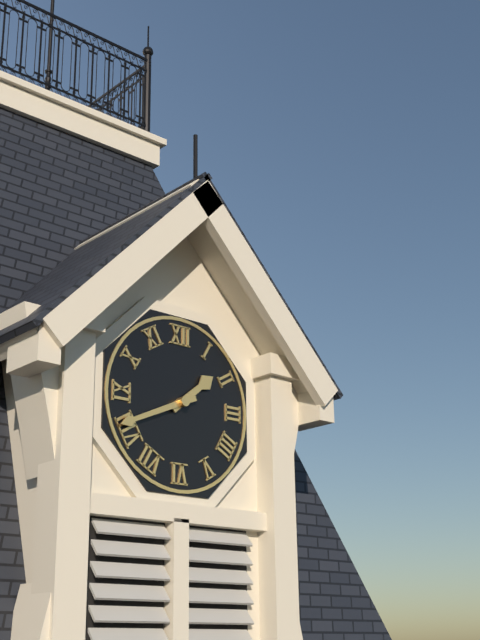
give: {"hour": 1, "minute": 41}
